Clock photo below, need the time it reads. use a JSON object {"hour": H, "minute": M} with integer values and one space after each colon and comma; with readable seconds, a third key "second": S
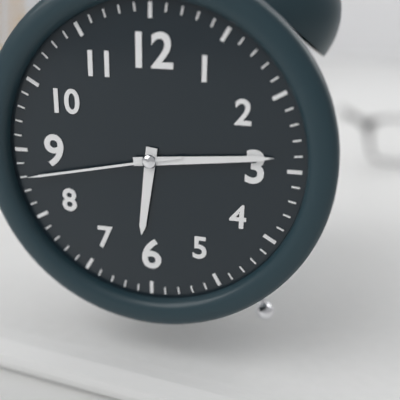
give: {"hour": 6, "minute": 14, "second": 43}
